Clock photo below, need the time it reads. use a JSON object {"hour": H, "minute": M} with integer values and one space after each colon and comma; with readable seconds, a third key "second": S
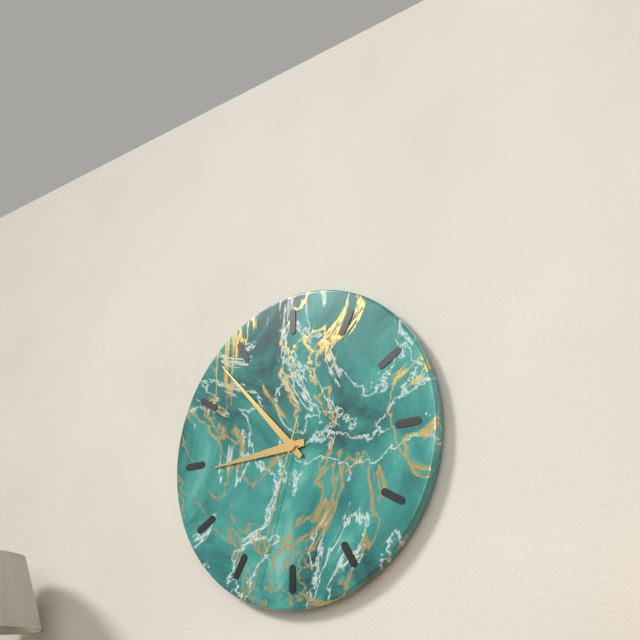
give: {"hour": 8, "minute": 53, "second": 33}
